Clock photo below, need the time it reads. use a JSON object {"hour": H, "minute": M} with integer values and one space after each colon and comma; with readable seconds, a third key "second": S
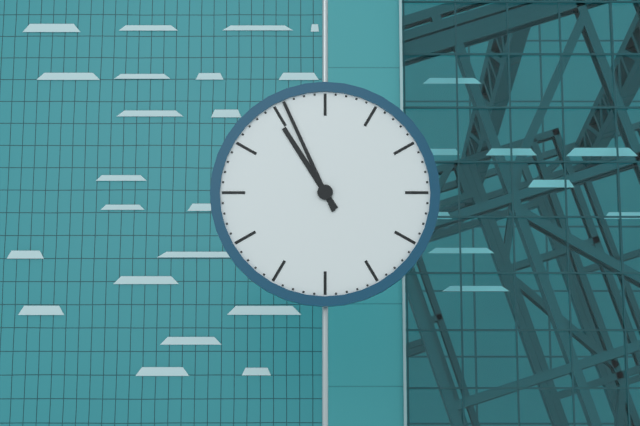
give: {"hour": 10, "minute": 56}
